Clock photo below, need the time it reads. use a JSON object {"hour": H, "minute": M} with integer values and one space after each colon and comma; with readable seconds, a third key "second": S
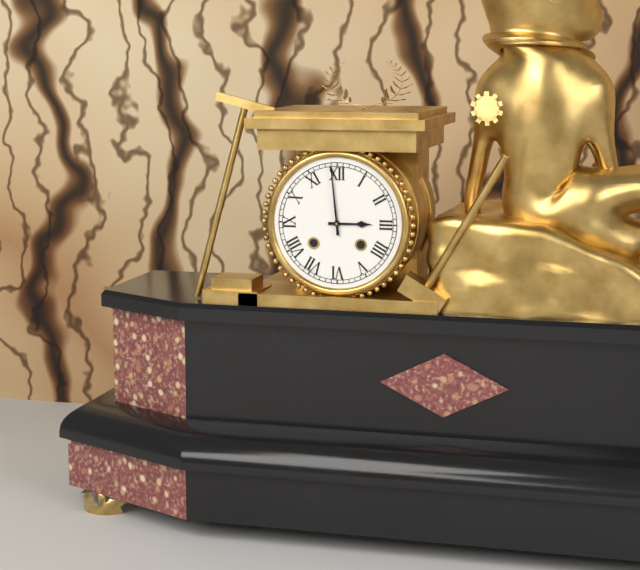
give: {"hour": 2, "minute": 59}
